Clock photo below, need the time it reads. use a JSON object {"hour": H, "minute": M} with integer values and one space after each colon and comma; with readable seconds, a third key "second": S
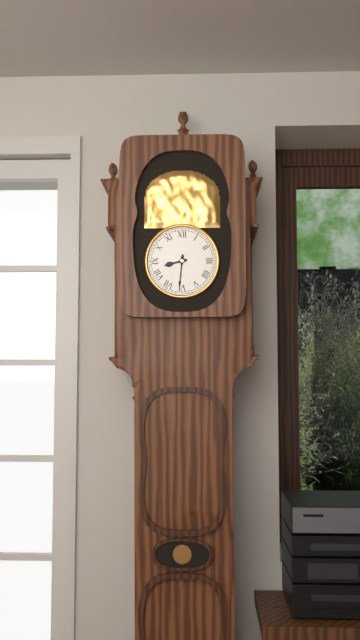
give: {"hour": 8, "minute": 31}
